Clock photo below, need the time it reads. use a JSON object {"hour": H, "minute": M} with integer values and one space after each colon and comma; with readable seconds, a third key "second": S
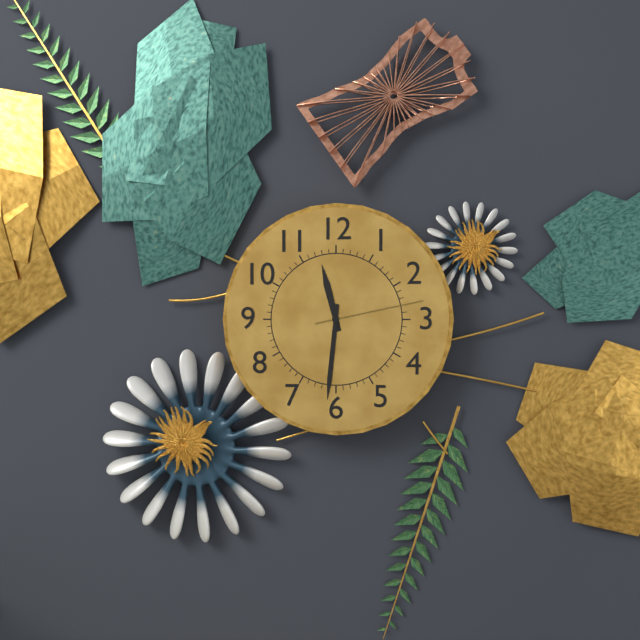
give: {"hour": 11, "minute": 31, "second": 13}
